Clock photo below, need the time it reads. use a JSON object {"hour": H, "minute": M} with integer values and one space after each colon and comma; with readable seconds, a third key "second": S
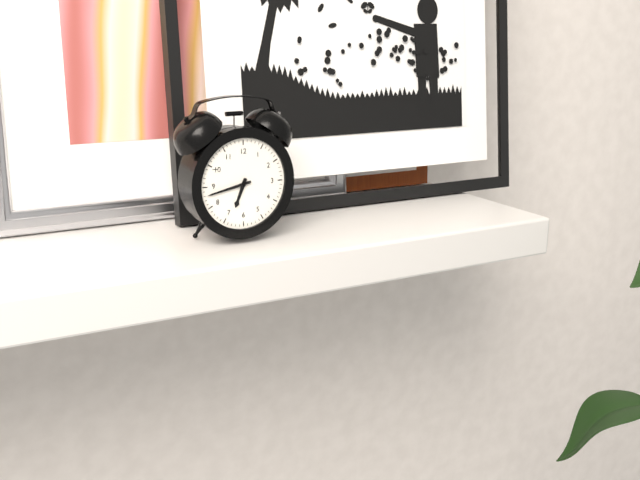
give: {"hour": 6, "minute": 43}
